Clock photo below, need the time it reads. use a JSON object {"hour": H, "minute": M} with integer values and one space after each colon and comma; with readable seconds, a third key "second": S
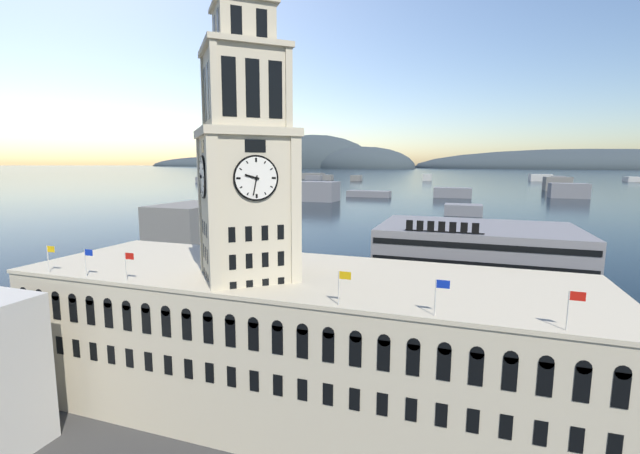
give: {"hour": 9, "minute": 32}
